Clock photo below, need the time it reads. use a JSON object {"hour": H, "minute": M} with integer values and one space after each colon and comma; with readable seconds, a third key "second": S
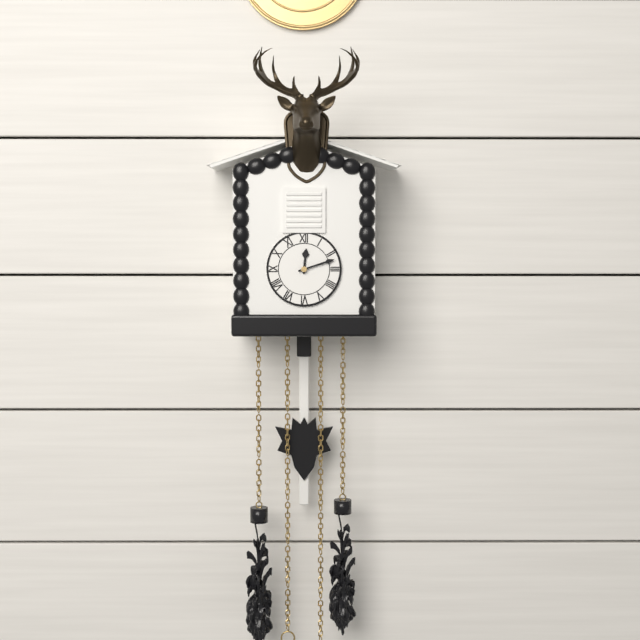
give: {"hour": 12, "minute": 12}
